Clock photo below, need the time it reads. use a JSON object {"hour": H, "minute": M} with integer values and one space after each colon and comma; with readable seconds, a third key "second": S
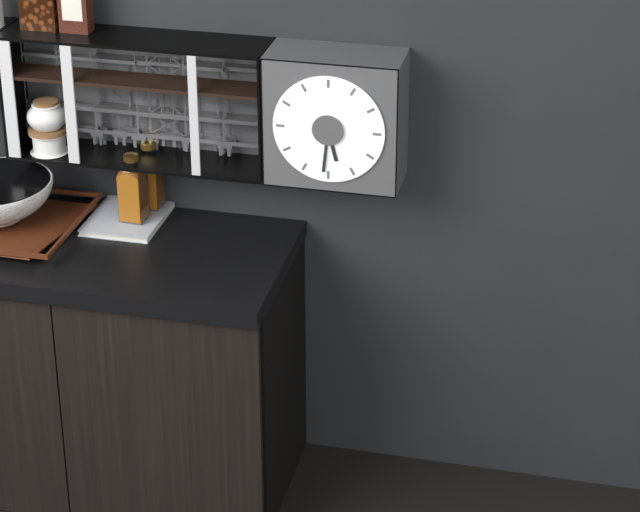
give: {"hour": 5, "minute": 31}
